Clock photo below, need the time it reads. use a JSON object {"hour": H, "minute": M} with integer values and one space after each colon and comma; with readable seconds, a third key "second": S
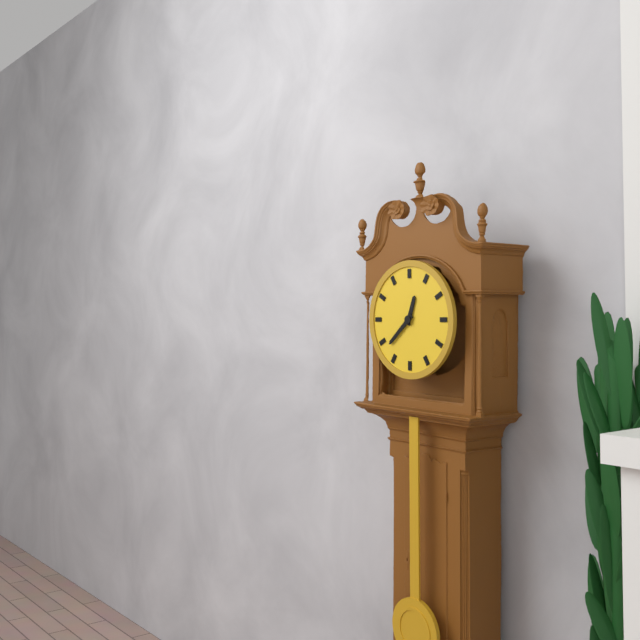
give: {"hour": 12, "minute": 38}
